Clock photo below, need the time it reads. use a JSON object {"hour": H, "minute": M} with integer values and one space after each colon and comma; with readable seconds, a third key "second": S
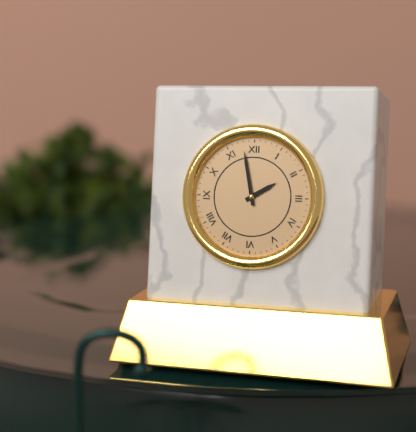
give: {"hour": 1, "minute": 58}
